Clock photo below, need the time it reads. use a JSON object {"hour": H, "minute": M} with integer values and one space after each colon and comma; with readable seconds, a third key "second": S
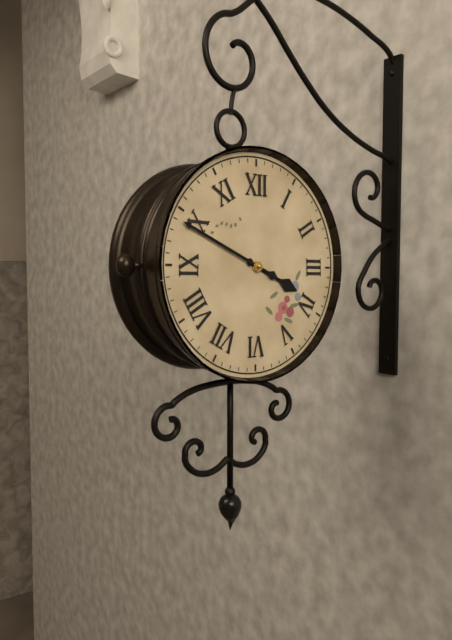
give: {"hour": 3, "minute": 49}
